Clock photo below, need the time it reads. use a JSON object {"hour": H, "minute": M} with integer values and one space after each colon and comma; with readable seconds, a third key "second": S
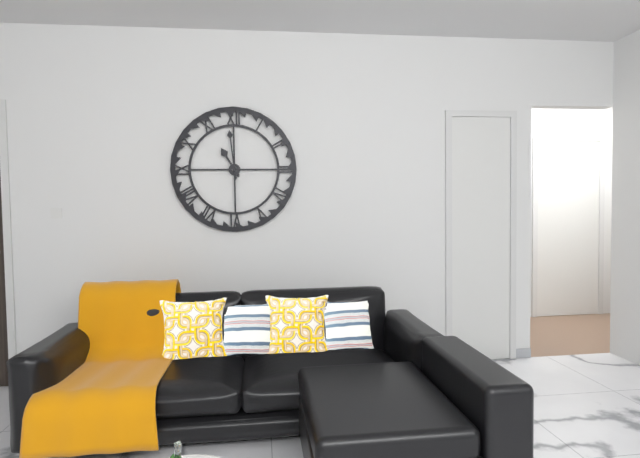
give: {"hour": 10, "minute": 59}
